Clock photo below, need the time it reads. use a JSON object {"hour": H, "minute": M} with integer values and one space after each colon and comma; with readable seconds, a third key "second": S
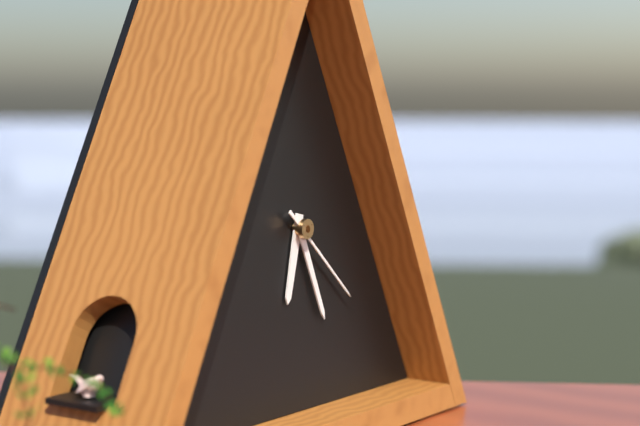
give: {"hour": 6, "minute": 26, "second": 22}
